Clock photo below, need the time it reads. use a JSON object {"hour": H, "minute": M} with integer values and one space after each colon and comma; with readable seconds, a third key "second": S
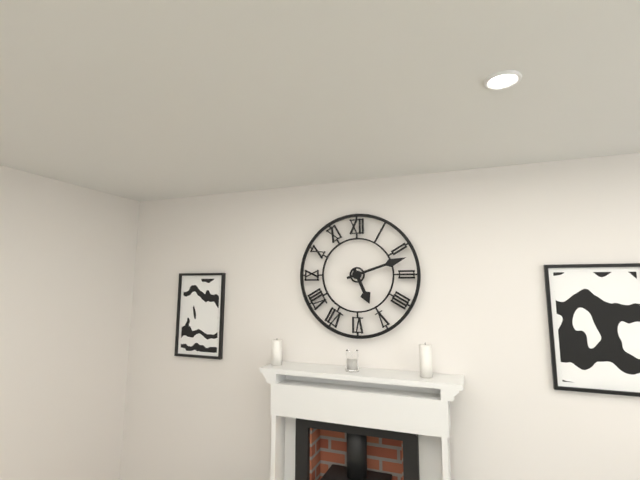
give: {"hour": 5, "minute": 12}
